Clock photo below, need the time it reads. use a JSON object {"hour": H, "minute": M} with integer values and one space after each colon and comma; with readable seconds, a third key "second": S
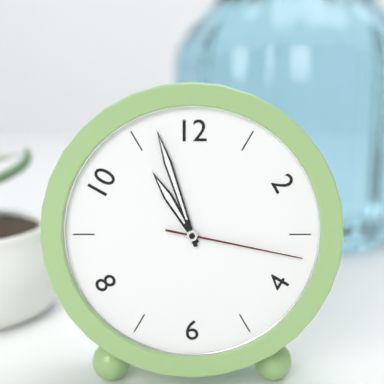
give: {"hour": 10, "minute": 57, "second": 17}
